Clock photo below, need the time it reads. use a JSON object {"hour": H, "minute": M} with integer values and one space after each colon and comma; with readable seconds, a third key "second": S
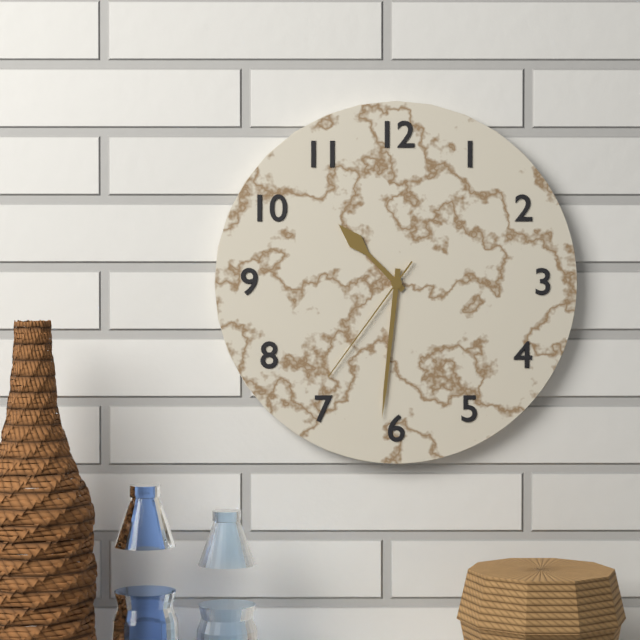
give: {"hour": 10, "minute": 31, "second": 36}
